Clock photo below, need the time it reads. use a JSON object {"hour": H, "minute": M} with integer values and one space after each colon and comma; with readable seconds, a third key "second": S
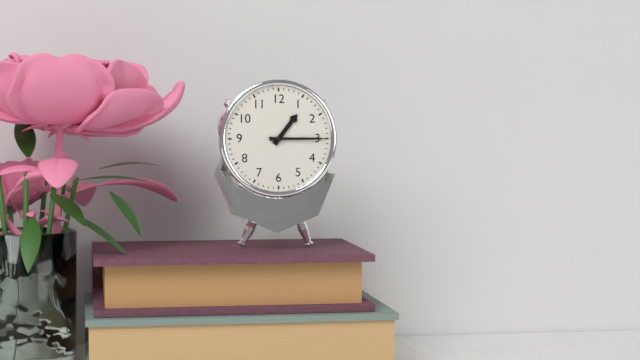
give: {"hour": 1, "minute": 15}
